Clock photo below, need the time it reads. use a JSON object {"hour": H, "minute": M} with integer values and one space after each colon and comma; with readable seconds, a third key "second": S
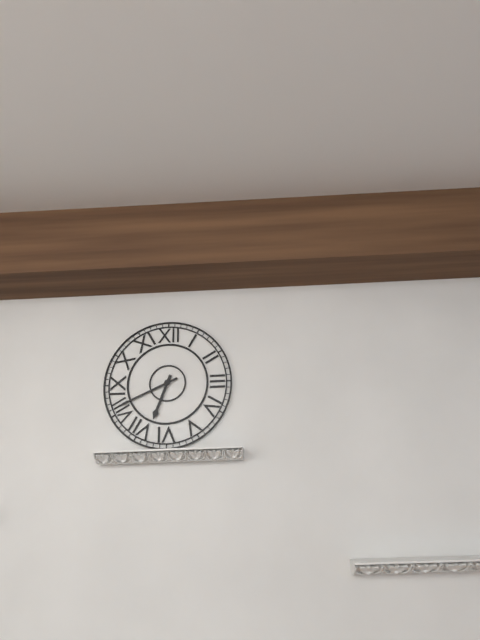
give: {"hour": 6, "minute": 41}
